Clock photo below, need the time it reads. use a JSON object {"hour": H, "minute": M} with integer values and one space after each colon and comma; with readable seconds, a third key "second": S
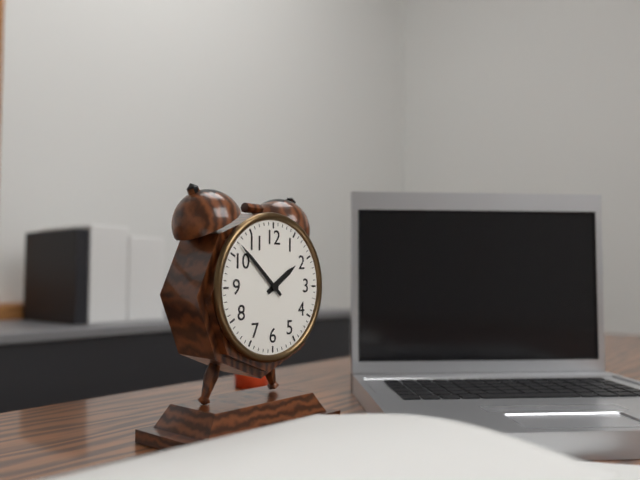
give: {"hour": 1, "minute": 52}
